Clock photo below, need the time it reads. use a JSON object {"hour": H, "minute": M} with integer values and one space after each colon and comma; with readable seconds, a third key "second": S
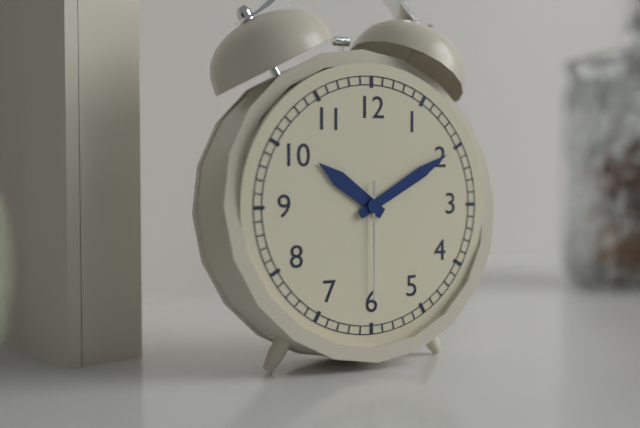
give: {"hour": 10, "minute": 10, "second": 30}
